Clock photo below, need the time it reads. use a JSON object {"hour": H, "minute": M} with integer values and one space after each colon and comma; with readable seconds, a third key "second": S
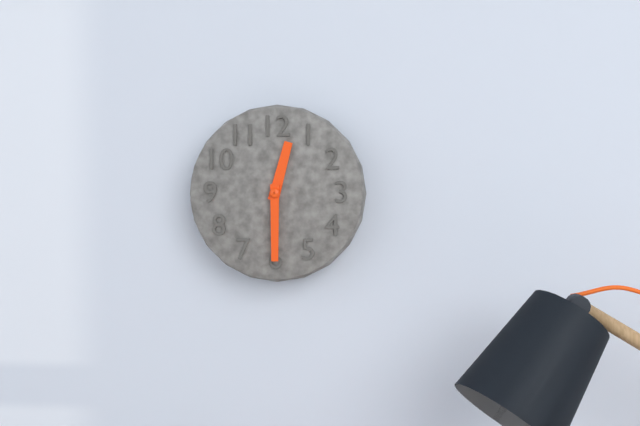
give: {"hour": 12, "minute": 30}
